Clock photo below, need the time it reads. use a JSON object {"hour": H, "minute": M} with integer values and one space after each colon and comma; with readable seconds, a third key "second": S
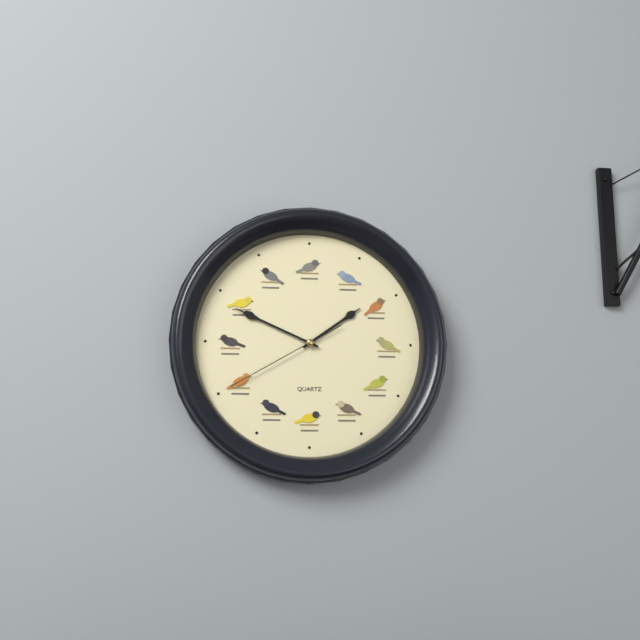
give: {"hour": 1, "minute": 49, "second": 40}
